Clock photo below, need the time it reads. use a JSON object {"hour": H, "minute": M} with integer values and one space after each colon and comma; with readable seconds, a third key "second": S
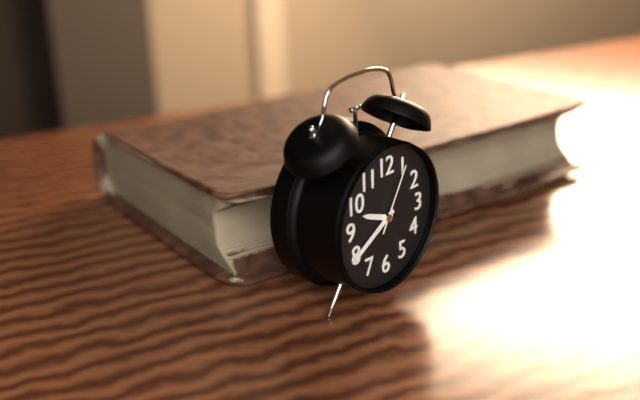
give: {"hour": 9, "minute": 40, "second": 5}
